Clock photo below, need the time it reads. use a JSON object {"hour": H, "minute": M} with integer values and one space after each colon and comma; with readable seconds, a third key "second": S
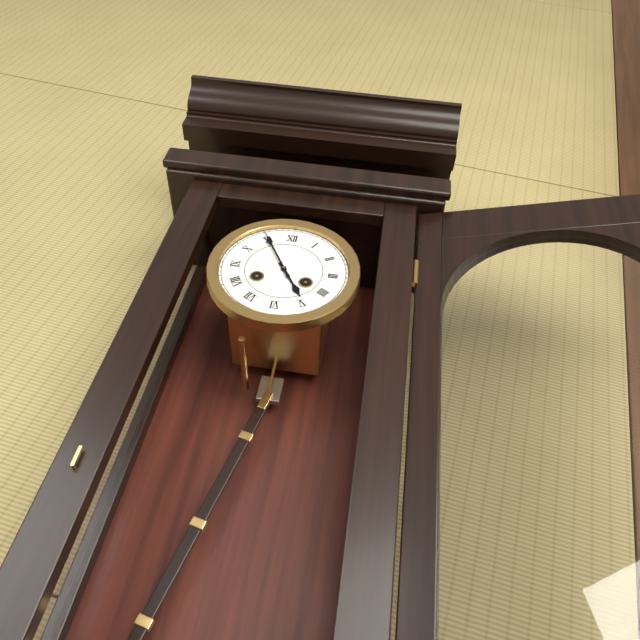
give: {"hour": 4, "minute": 55}
